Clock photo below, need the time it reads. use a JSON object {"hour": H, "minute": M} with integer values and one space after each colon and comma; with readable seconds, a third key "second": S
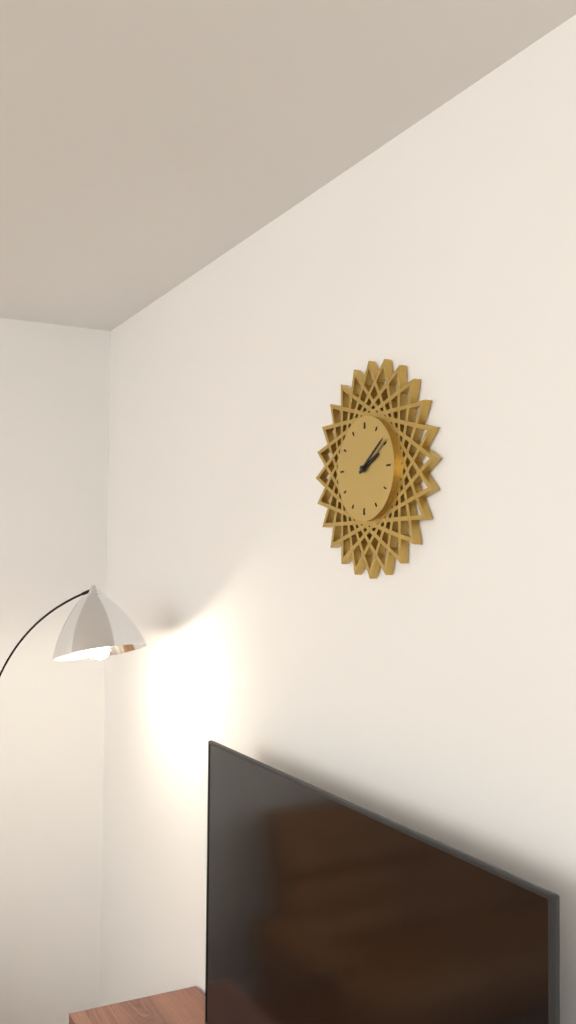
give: {"hour": 2, "minute": 9}
